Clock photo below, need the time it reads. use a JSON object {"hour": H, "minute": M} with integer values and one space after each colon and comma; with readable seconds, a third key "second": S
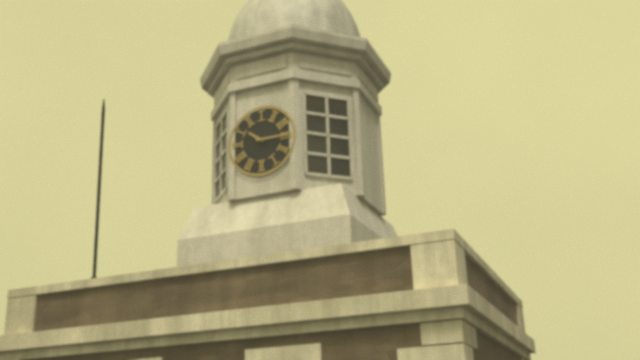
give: {"hour": 10, "minute": 15}
